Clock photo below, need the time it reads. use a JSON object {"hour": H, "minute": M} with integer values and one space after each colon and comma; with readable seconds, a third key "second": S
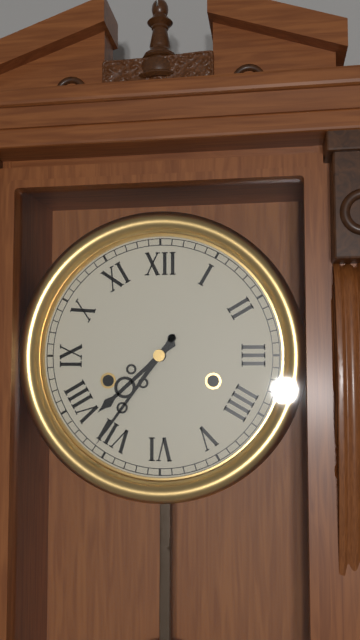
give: {"hour": 7, "minute": 36}
